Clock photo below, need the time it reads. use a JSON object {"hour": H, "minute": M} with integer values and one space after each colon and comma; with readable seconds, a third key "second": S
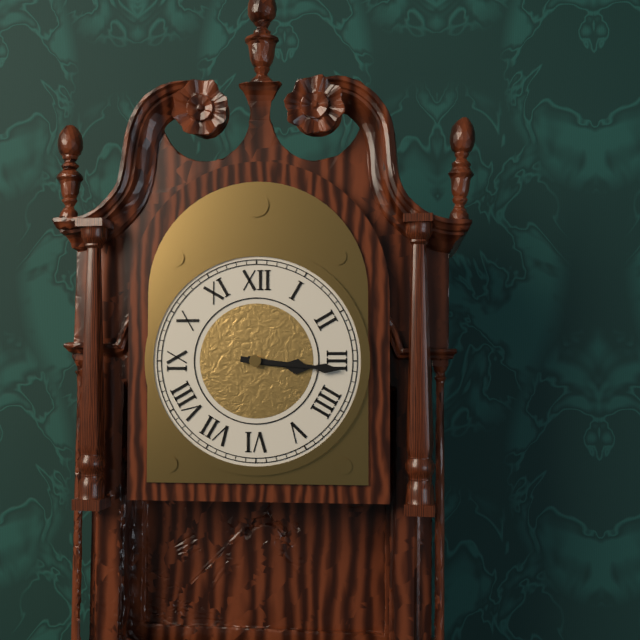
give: {"hour": 3, "minute": 16}
